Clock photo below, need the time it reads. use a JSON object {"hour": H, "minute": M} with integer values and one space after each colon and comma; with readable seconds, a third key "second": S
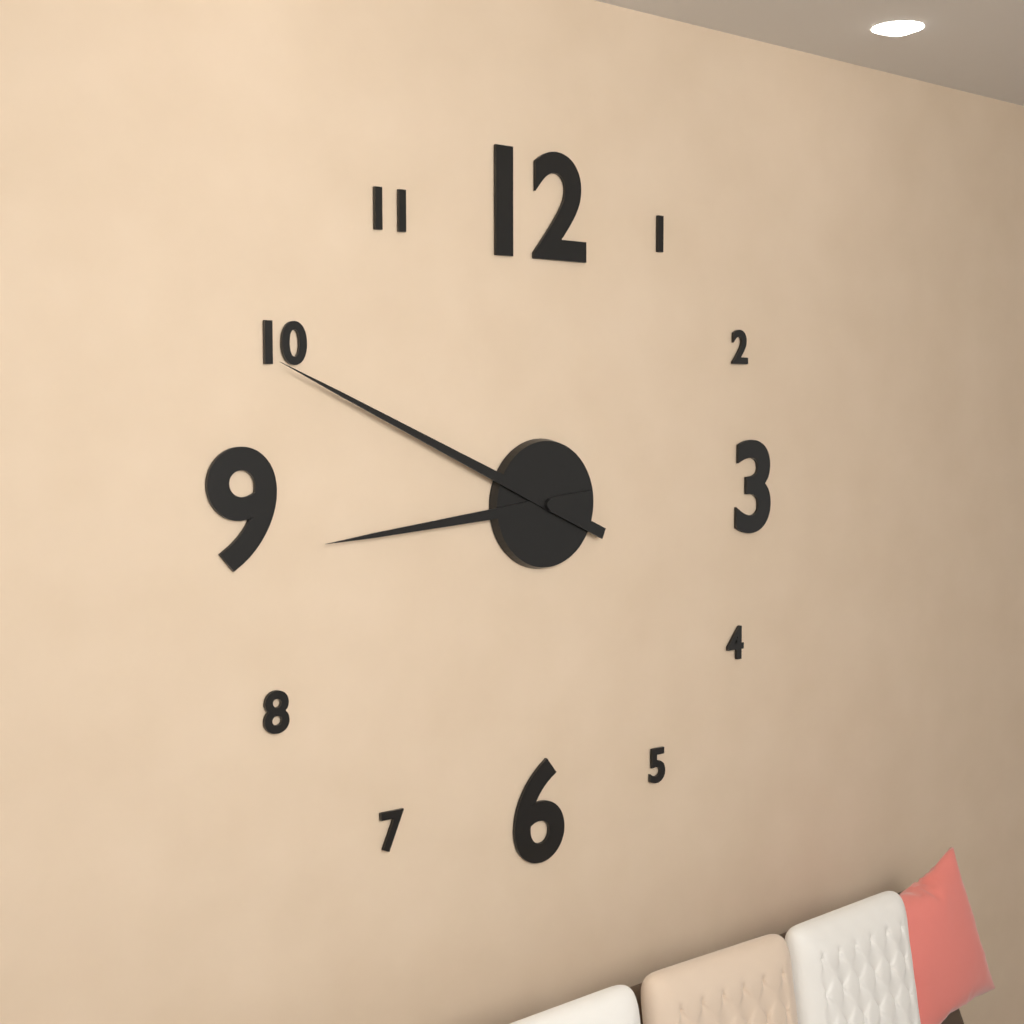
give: {"hour": 8, "minute": 49}
